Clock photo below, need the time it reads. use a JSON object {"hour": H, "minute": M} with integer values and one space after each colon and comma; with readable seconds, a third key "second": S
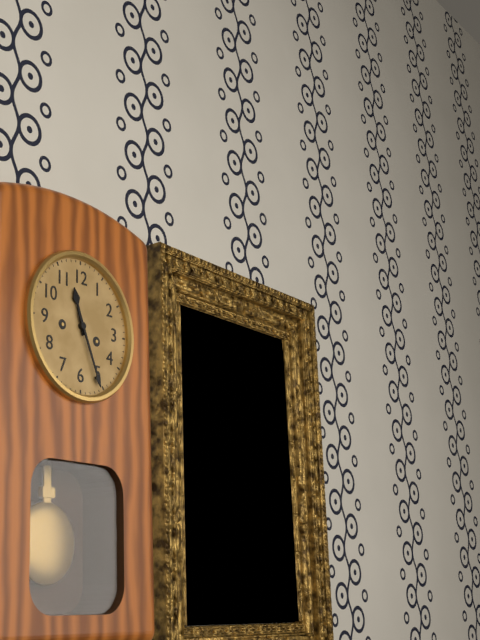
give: {"hour": 11, "minute": 26}
